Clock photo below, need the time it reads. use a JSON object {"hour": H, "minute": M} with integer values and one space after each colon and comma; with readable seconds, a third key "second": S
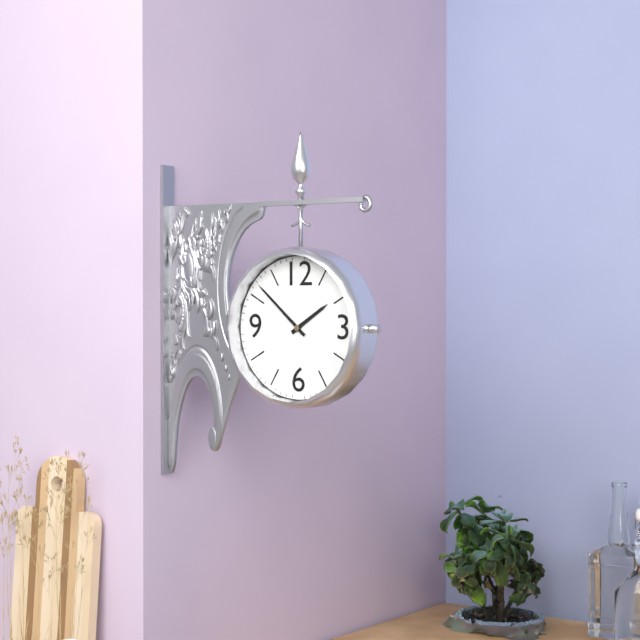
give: {"hour": 1, "minute": 52}
